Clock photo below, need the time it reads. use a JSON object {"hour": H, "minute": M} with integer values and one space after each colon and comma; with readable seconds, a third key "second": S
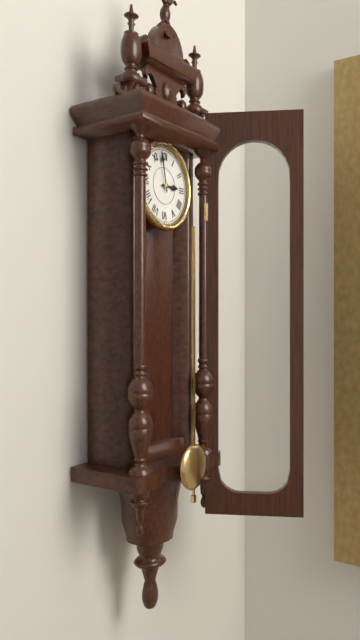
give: {"hour": 2, "minute": 58}
